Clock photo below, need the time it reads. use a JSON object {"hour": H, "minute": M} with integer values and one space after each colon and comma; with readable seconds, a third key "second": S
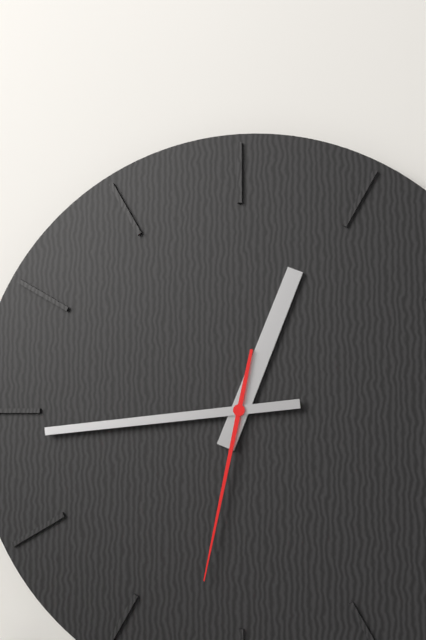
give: {"hour": 12, "minute": 44, "second": 32}
